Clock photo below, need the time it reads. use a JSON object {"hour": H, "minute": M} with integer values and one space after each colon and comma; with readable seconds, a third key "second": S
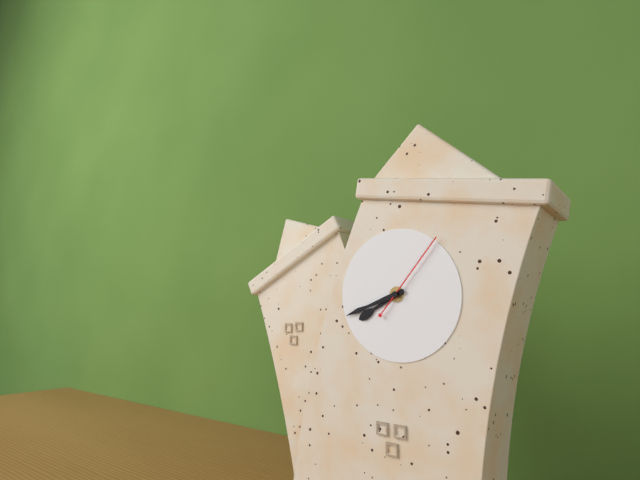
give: {"hour": 7, "minute": 40, "second": 5}
